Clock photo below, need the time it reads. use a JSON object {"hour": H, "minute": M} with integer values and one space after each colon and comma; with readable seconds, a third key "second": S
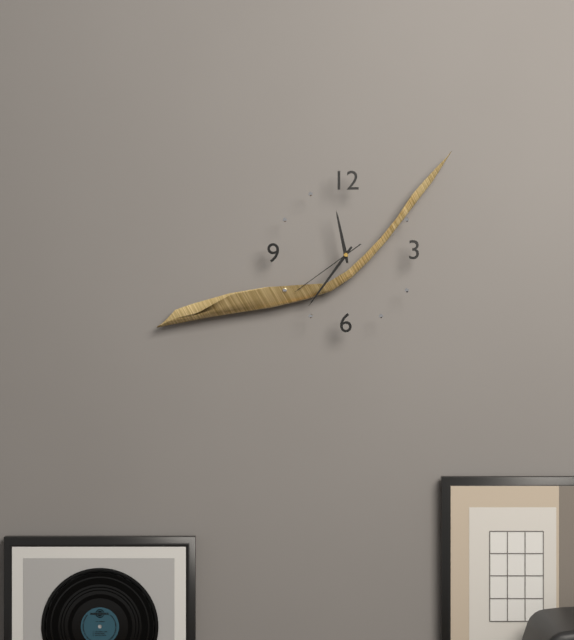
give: {"hour": 11, "minute": 36, "second": 39}
